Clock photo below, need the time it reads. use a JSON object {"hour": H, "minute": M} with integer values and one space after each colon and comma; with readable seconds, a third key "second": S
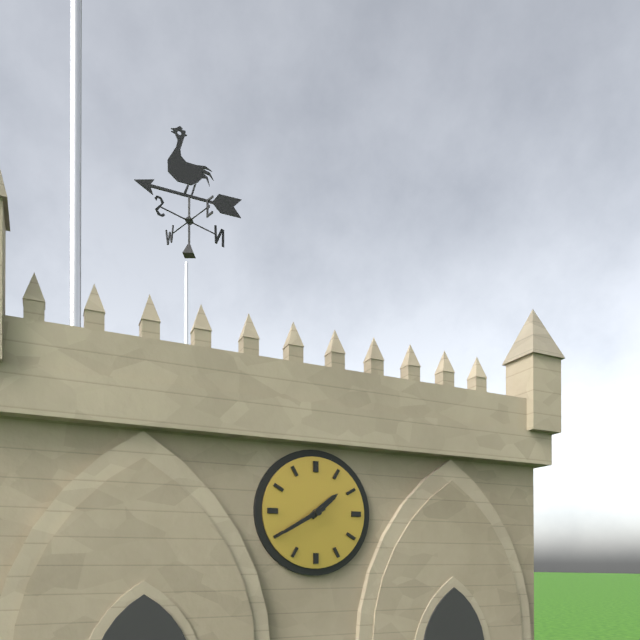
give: {"hour": 1, "minute": 40}
